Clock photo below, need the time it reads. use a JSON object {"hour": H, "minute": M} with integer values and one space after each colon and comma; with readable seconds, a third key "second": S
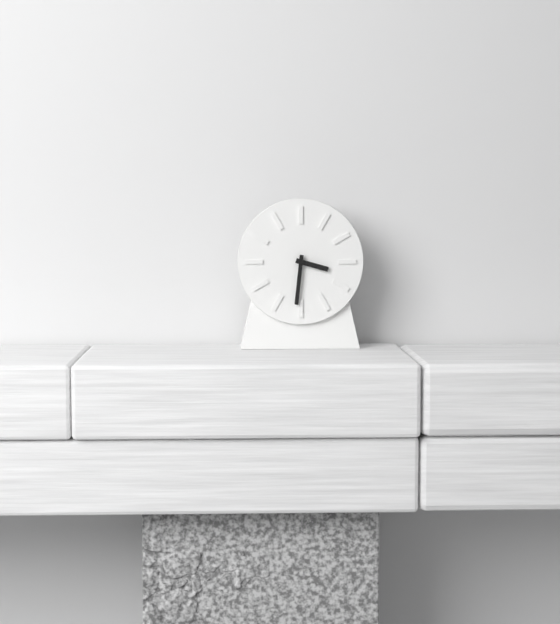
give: {"hour": 3, "minute": 31}
